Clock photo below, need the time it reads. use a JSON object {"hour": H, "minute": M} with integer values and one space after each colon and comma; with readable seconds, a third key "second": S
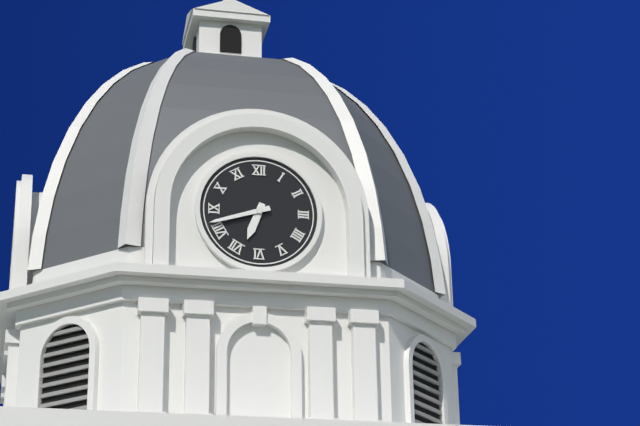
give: {"hour": 6, "minute": 42}
